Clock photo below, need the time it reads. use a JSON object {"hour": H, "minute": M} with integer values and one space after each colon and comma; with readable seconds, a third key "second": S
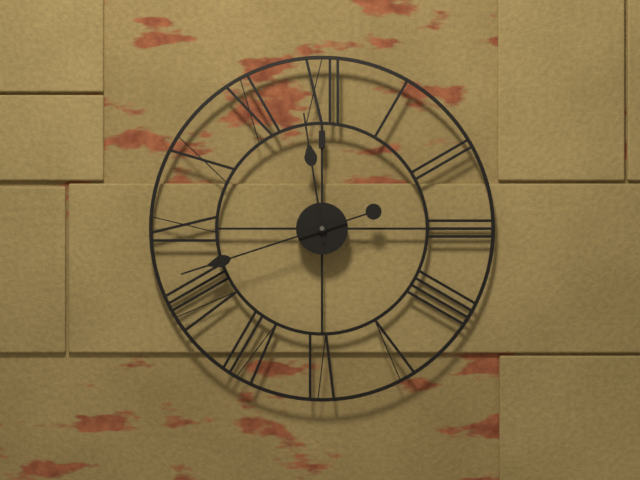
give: {"hour": 11, "minute": 42}
